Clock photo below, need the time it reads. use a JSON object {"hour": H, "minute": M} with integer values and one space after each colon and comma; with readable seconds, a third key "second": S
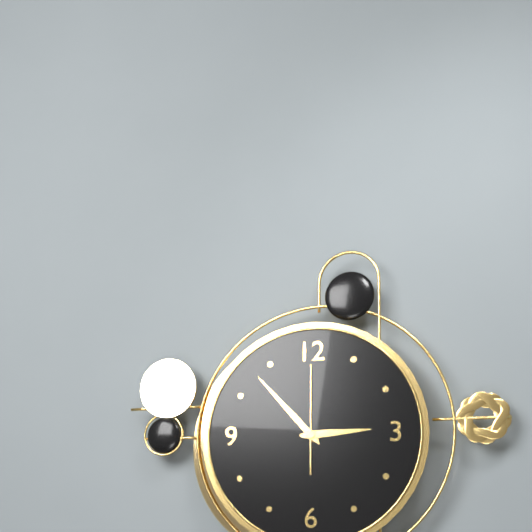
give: {"hour": 2, "minute": 53, "second": 0}
